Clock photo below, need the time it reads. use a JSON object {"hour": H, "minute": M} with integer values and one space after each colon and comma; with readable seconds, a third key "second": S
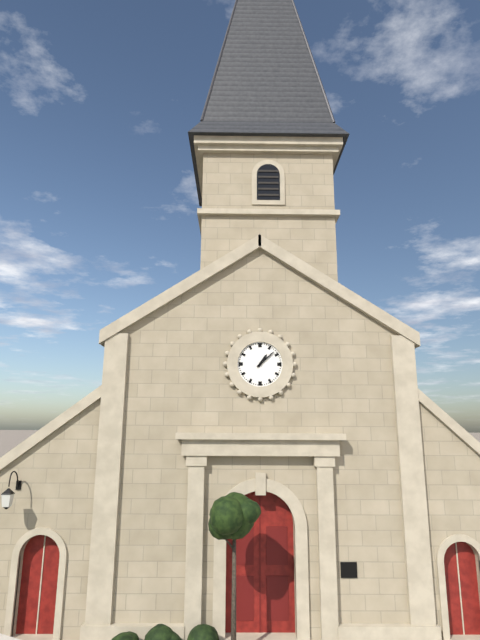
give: {"hour": 1, "minute": 8}
